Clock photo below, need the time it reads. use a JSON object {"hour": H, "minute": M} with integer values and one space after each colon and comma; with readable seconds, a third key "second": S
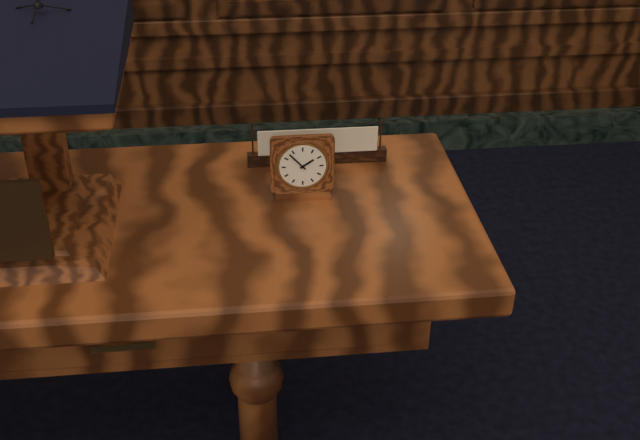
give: {"hour": 1, "minute": 53}
